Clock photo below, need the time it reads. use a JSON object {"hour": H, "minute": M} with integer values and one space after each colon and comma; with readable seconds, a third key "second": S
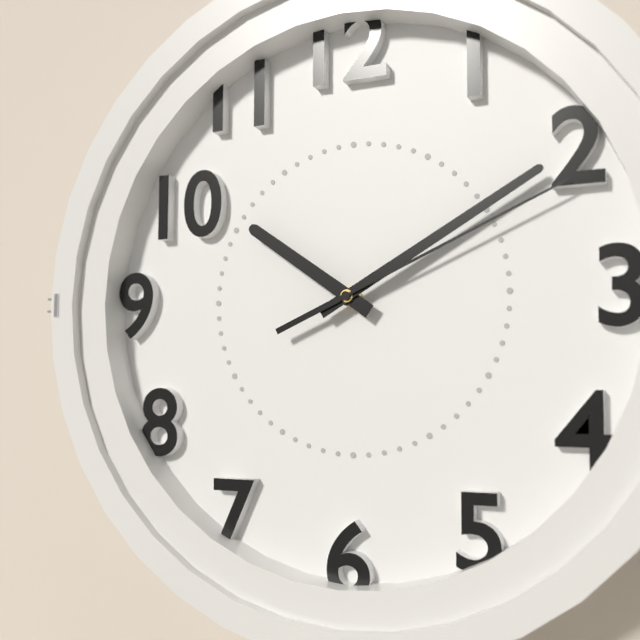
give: {"hour": 10, "minute": 10, "second": 11}
